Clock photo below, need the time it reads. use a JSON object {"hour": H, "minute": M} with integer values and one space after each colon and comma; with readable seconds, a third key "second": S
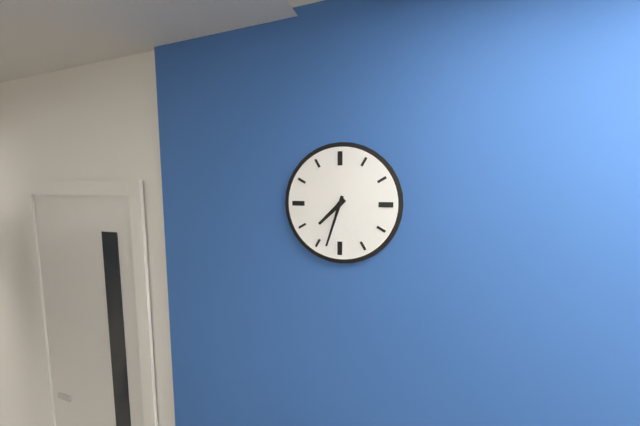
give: {"hour": 7, "minute": 33}
